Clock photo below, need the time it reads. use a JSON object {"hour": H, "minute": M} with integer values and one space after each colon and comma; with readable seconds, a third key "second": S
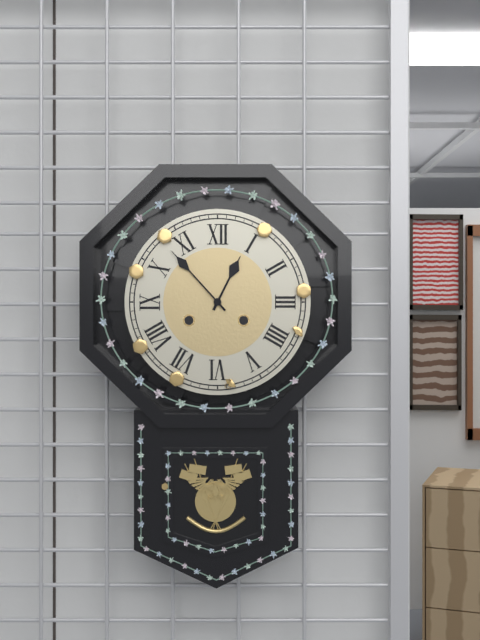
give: {"hour": 12, "minute": 53}
